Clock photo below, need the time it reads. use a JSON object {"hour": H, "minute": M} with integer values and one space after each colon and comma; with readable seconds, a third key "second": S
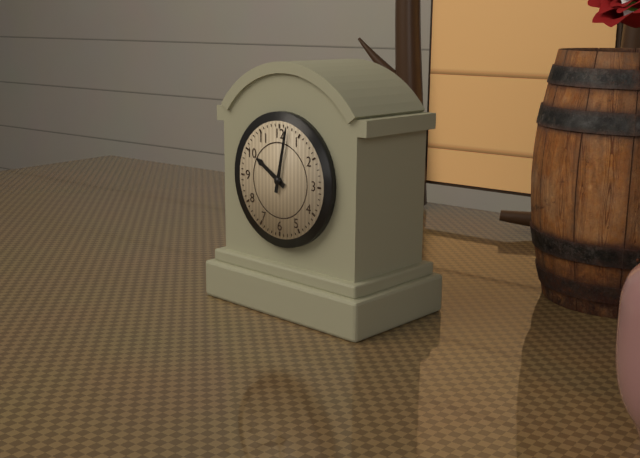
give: {"hour": 10, "minute": 2}
